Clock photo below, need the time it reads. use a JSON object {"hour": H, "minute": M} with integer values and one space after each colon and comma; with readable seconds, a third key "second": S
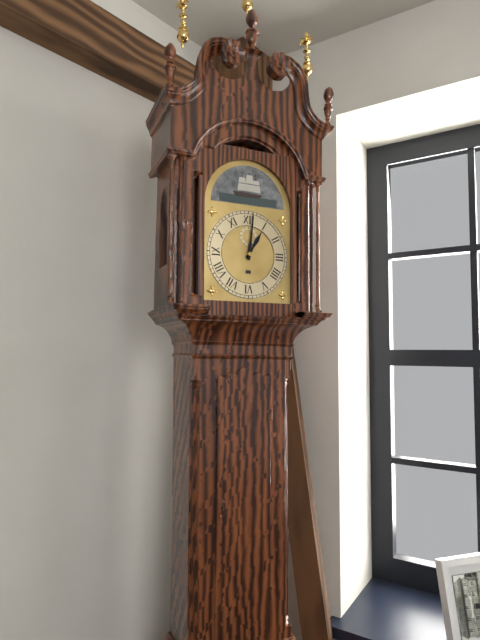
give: {"hour": 1, "minute": 1}
